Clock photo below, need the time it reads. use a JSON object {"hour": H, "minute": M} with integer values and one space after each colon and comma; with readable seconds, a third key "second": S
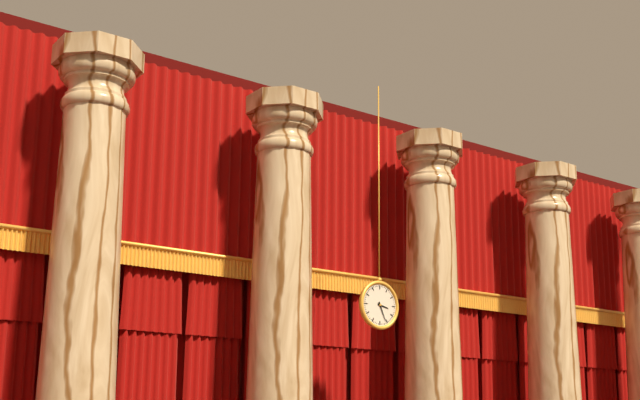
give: {"hour": 3, "minute": 26}
